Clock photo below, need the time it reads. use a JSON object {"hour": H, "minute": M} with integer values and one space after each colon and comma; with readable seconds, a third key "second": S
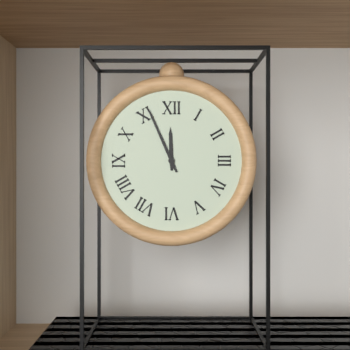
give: {"hour": 11, "minute": 56}
